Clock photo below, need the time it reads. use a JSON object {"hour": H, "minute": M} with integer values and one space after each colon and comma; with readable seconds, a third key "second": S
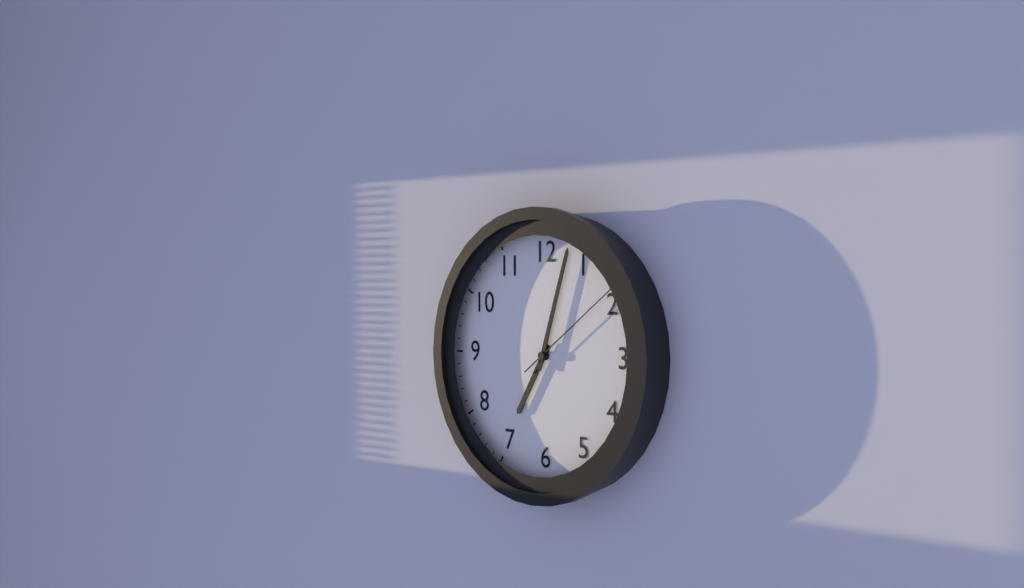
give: {"hour": 7, "minute": 3, "second": 9}
